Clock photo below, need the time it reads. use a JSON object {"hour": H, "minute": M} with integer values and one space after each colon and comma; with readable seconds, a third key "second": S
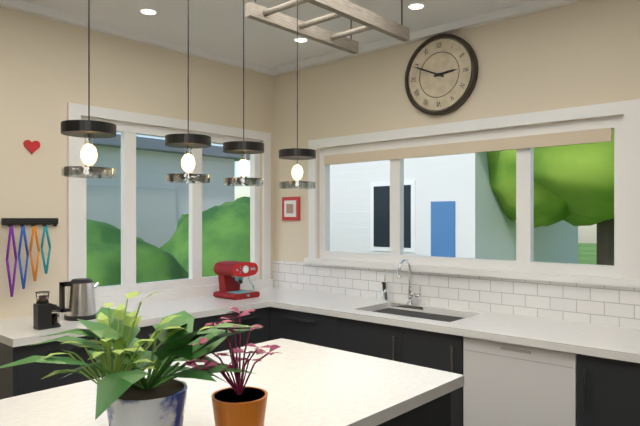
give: {"hour": 2, "minute": 49}
